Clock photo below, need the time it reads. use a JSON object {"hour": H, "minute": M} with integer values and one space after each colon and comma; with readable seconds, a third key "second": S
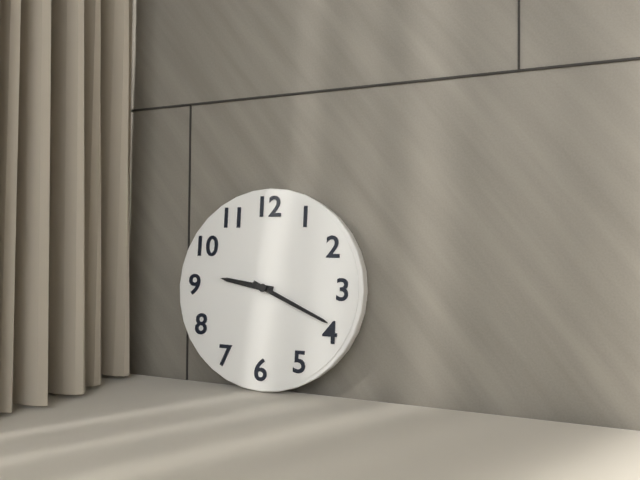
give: {"hour": 9, "minute": 19}
